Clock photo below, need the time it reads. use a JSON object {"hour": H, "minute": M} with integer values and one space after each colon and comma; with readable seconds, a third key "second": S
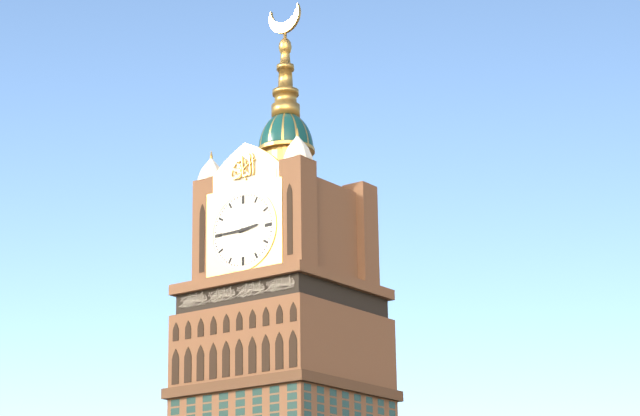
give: {"hour": 2, "minute": 45}
